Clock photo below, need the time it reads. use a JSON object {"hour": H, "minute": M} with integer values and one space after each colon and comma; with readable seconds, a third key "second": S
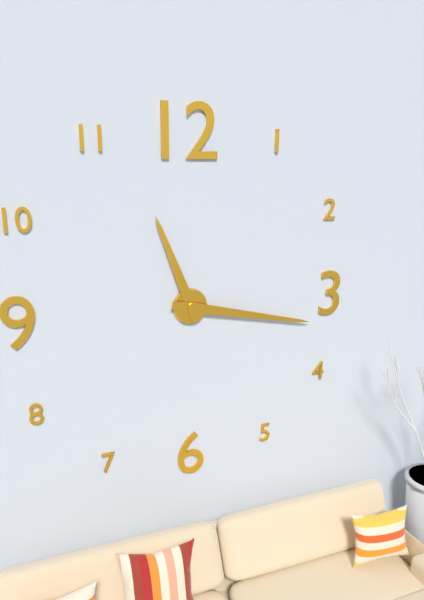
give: {"hour": 11, "minute": 17}
